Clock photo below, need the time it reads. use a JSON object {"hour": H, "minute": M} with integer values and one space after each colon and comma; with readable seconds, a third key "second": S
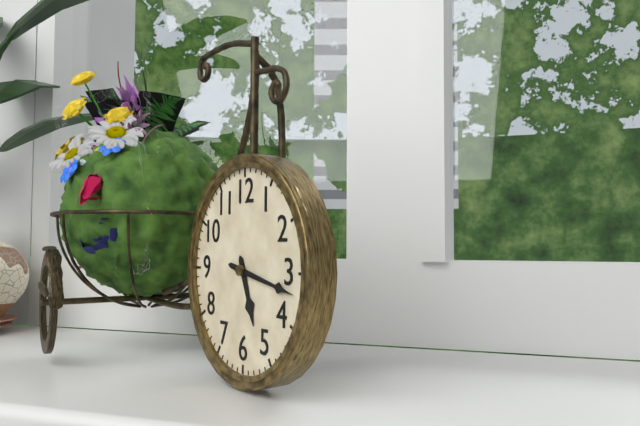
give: {"hour": 5, "minute": 17}
